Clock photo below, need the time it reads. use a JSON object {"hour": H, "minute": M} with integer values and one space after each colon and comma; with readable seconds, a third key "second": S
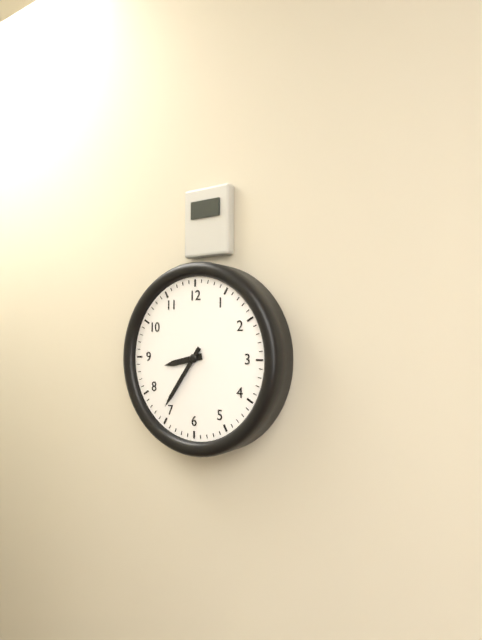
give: {"hour": 8, "minute": 36}
